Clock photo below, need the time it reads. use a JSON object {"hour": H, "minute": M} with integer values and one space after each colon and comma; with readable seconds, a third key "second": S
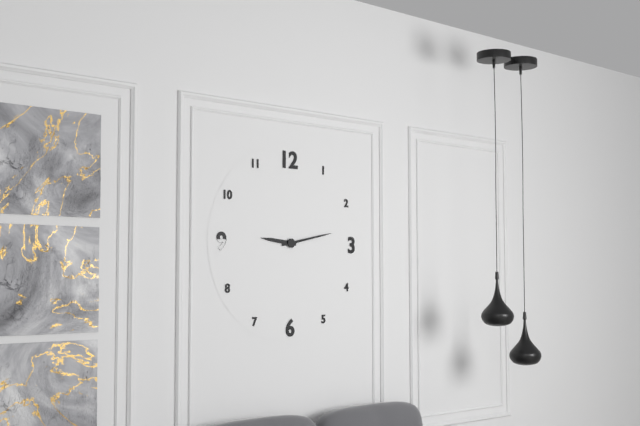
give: {"hour": 9, "minute": 13}
